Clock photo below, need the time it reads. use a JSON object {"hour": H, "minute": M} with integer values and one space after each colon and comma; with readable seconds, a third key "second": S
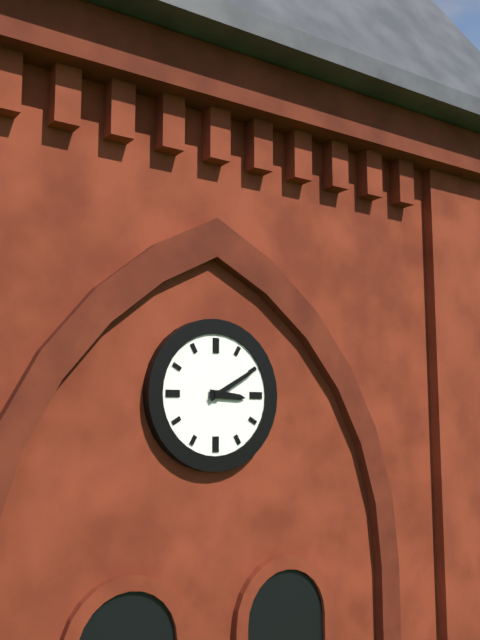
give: {"hour": 3, "minute": 10}
